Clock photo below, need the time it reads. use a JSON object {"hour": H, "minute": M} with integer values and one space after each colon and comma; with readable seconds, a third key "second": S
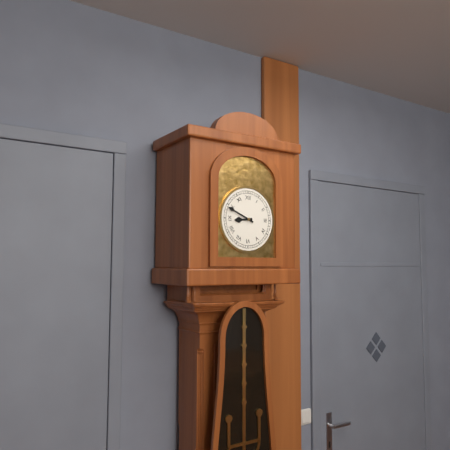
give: {"hour": 8, "minute": 49}
